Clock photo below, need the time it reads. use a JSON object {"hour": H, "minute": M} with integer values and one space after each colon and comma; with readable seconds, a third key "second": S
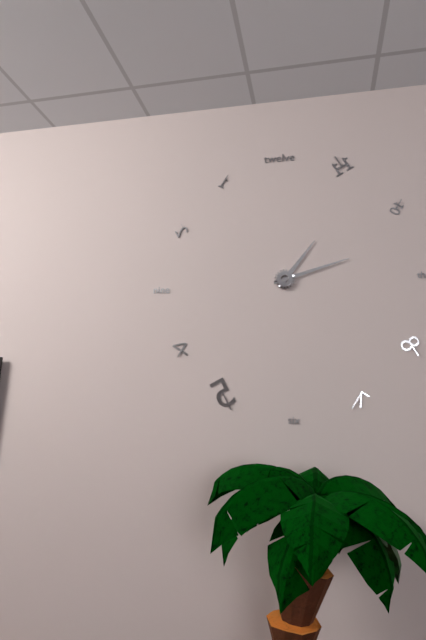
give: {"hour": 1, "minute": 12}
